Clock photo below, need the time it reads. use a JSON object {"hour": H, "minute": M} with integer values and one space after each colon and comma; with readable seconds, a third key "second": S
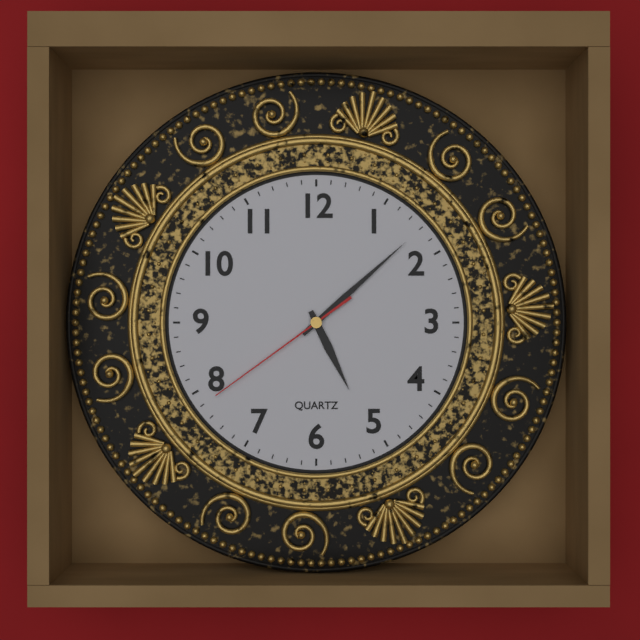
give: {"hour": 5, "minute": 8, "second": 39}
